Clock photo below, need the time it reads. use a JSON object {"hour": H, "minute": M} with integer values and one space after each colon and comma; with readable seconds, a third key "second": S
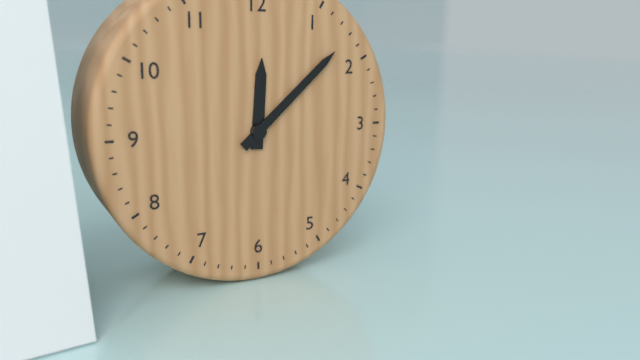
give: {"hour": 12, "minute": 8}
